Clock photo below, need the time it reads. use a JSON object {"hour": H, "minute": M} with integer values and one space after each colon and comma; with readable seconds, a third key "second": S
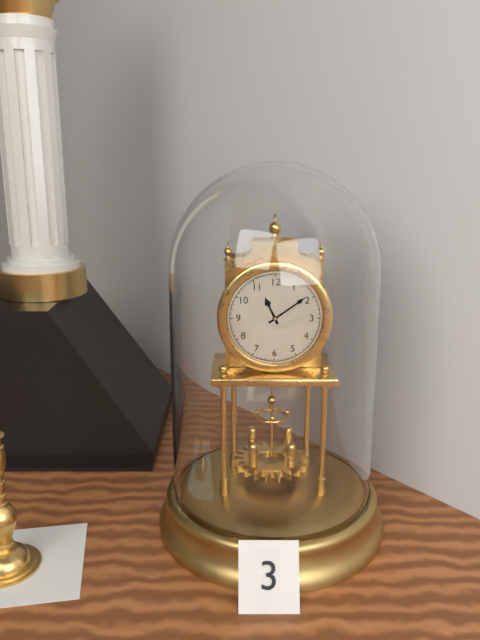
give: {"hour": 11, "minute": 9}
